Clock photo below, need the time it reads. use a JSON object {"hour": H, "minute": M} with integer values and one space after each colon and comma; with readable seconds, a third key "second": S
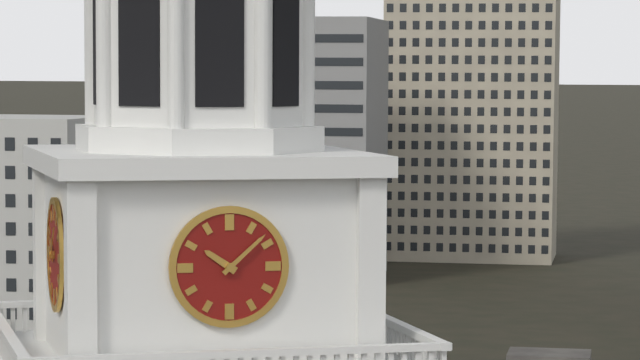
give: {"hour": 10, "minute": 8}
